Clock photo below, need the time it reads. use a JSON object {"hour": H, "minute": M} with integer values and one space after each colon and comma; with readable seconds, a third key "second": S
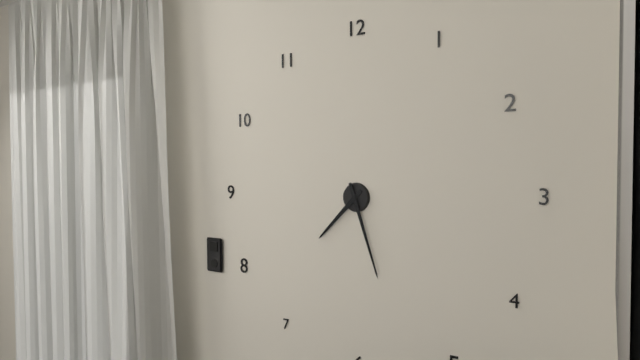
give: {"hour": 7, "minute": 27}
